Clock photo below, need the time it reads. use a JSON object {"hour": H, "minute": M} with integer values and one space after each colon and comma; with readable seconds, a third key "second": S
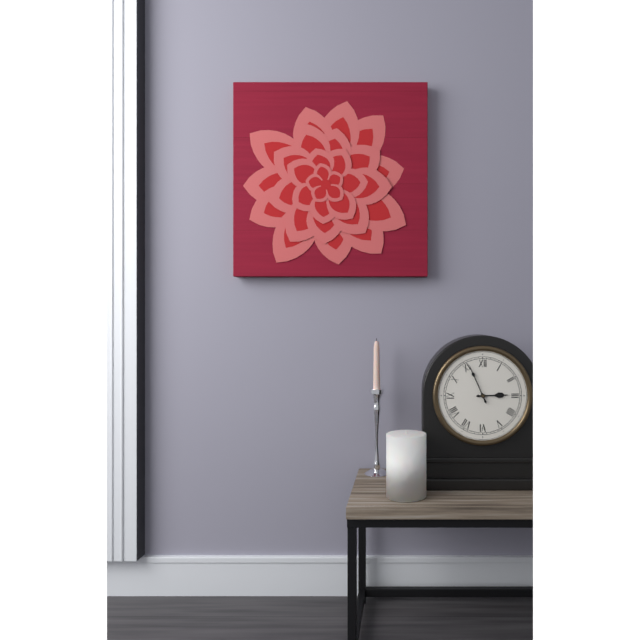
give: {"hour": 2, "minute": 56}
